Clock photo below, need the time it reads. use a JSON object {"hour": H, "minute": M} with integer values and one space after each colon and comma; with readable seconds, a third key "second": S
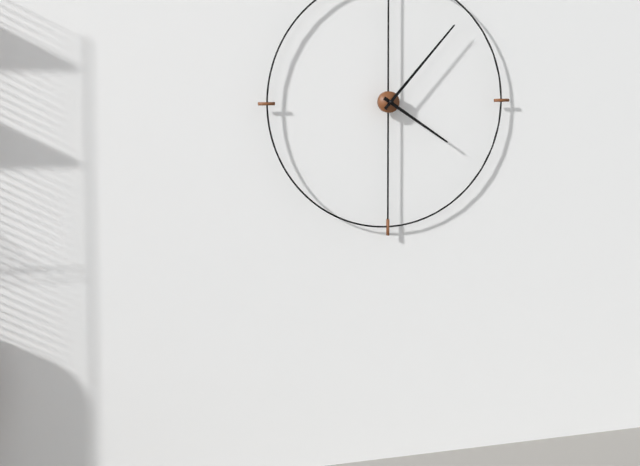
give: {"hour": 4, "minute": 7}
